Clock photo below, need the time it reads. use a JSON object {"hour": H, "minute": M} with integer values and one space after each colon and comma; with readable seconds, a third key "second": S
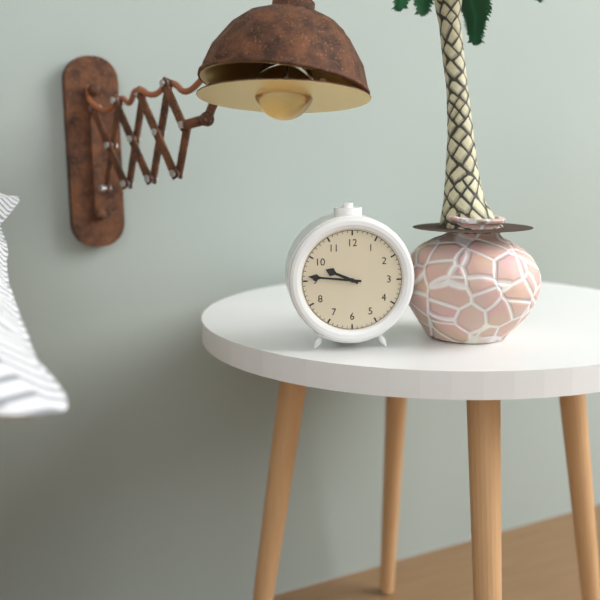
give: {"hour": 9, "minute": 46}
